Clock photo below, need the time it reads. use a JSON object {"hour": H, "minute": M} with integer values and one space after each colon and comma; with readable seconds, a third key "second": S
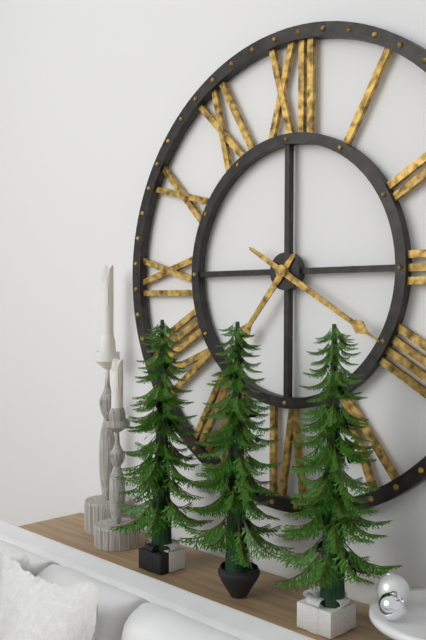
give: {"hour": 7, "minute": 20}
